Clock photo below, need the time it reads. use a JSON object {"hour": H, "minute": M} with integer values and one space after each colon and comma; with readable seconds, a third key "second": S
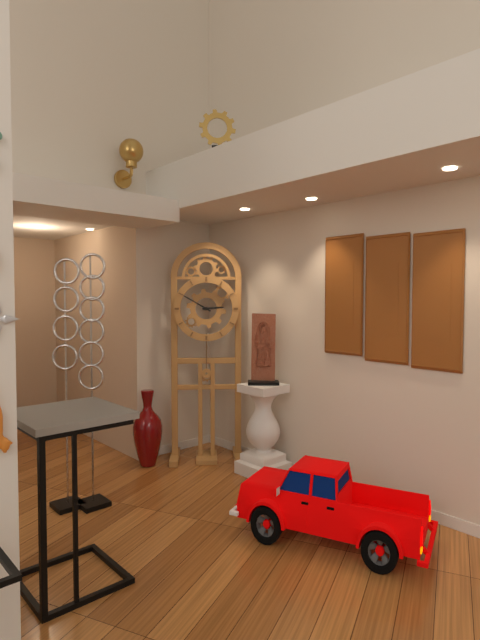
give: {"hour": 2, "minute": 50}
